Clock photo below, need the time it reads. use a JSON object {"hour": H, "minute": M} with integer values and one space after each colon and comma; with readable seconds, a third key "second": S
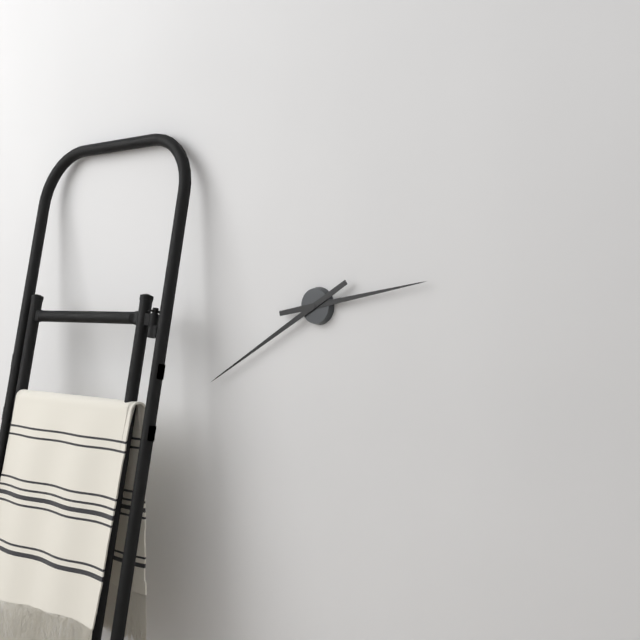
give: {"hour": 2, "minute": 40}
